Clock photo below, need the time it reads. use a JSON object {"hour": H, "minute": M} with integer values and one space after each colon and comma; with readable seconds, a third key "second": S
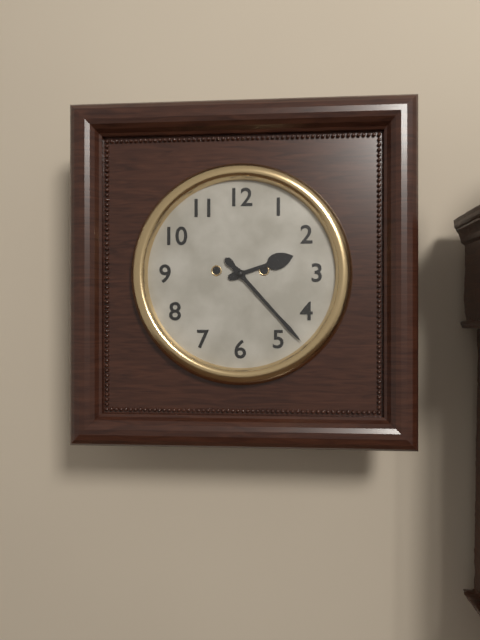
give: {"hour": 2, "minute": 23}
